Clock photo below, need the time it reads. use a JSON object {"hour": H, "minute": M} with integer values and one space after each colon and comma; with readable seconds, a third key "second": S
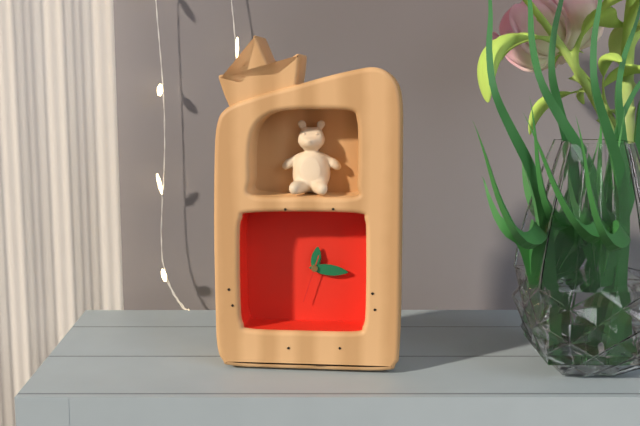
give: {"hour": 12, "minute": 16}
